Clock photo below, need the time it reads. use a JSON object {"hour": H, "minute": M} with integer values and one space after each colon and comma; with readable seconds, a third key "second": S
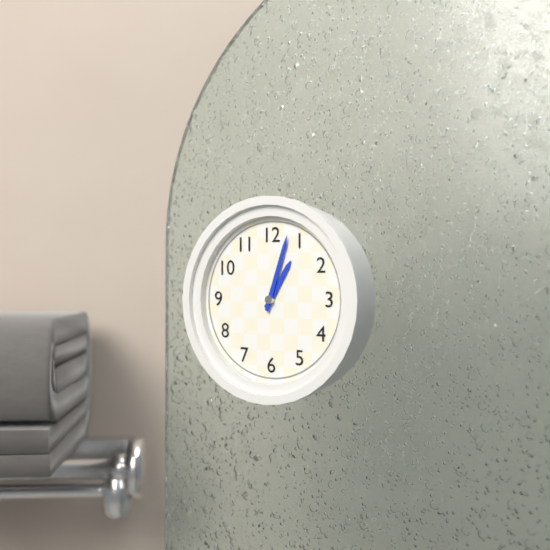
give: {"hour": 1, "minute": 3}
